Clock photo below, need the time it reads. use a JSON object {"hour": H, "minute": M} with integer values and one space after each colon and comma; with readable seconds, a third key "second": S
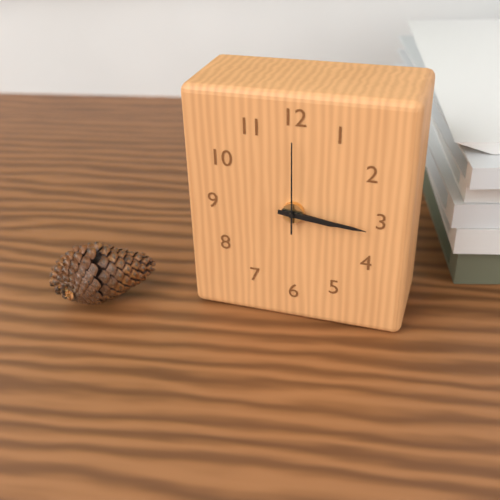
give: {"hour": 3, "minute": 16, "second": 0}
